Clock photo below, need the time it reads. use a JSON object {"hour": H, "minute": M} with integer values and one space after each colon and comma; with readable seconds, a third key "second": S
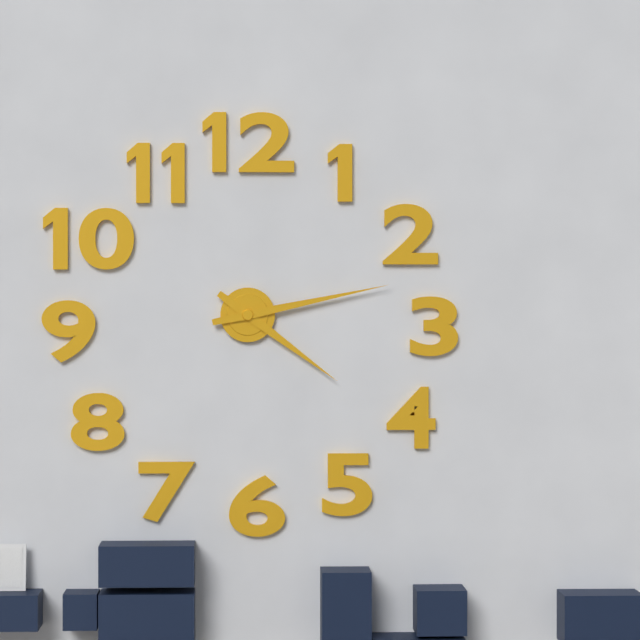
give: {"hour": 4, "minute": 13}
